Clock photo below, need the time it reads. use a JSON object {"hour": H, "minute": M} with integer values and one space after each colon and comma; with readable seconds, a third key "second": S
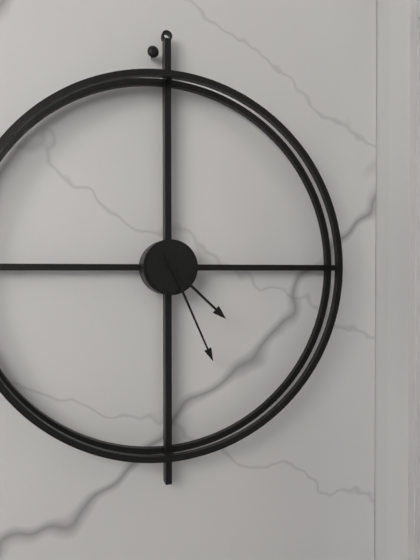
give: {"hour": 4, "minute": 26}
